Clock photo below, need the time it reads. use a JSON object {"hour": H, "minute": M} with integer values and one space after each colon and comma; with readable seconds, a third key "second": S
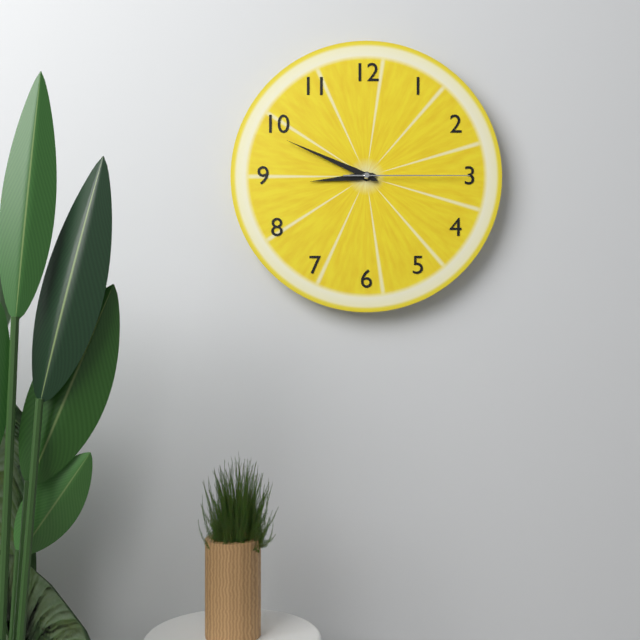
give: {"hour": 8, "minute": 49, "second": 15}
